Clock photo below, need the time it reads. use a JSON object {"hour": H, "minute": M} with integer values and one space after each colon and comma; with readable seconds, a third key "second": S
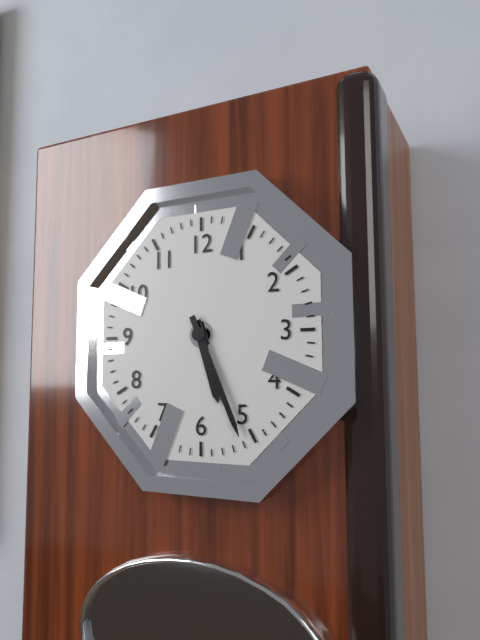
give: {"hour": 5, "minute": 26}
